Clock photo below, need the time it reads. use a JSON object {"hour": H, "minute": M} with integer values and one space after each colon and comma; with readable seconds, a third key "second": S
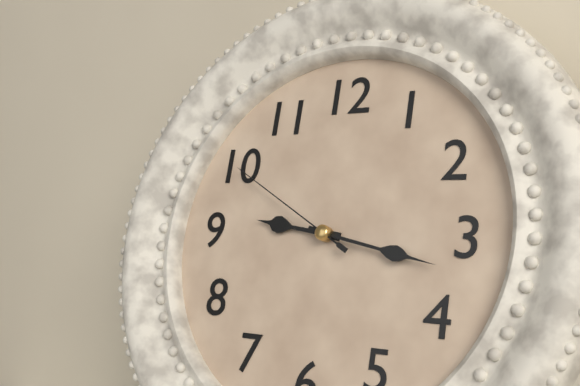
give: {"hour": 9, "minute": 17, "second": 50}
